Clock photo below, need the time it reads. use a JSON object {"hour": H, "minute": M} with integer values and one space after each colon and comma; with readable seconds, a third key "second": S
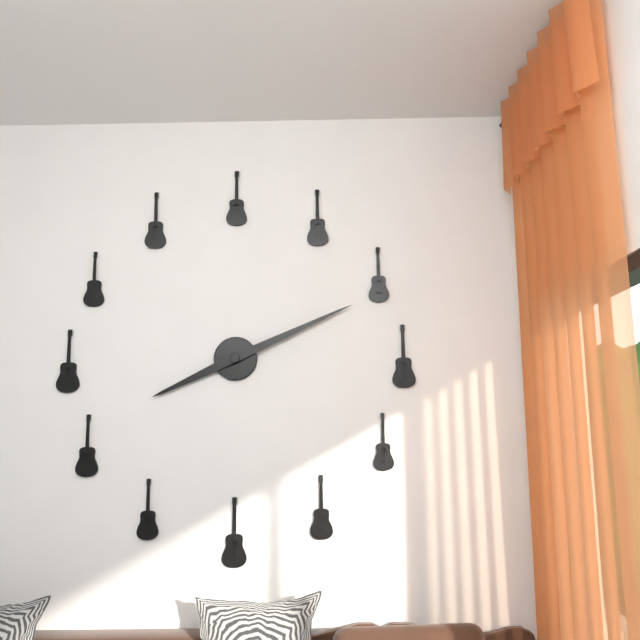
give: {"hour": 8, "minute": 11}
